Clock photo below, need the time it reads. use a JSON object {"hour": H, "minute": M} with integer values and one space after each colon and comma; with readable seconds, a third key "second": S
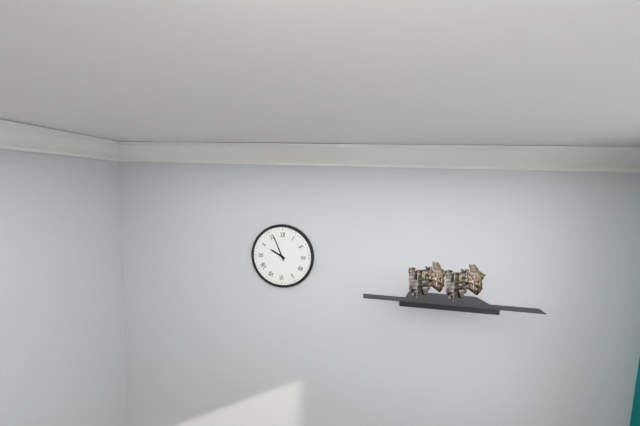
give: {"hour": 9, "minute": 56}
